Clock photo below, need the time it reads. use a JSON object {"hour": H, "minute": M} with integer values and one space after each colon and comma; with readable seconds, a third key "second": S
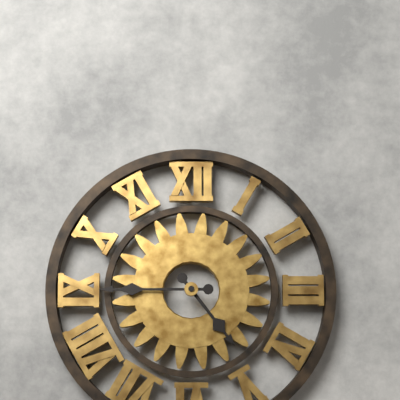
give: {"hour": 4, "minute": 45}
